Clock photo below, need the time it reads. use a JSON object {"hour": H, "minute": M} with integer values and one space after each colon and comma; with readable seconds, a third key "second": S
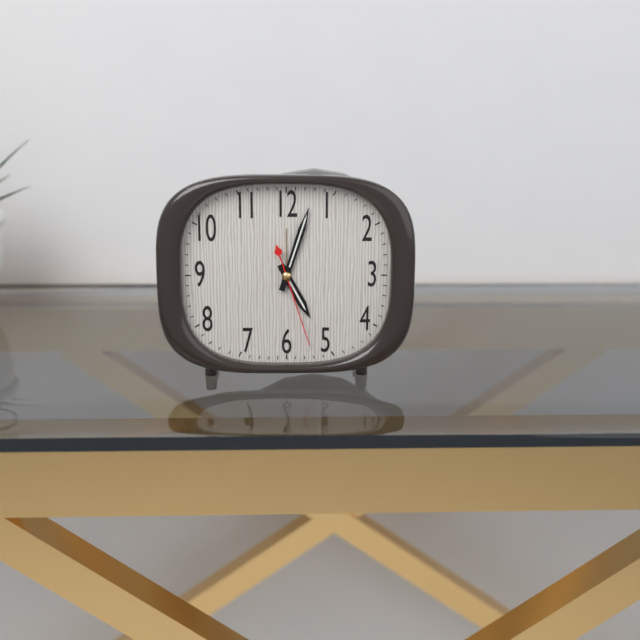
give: {"hour": 5, "minute": 3, "second": 27}
